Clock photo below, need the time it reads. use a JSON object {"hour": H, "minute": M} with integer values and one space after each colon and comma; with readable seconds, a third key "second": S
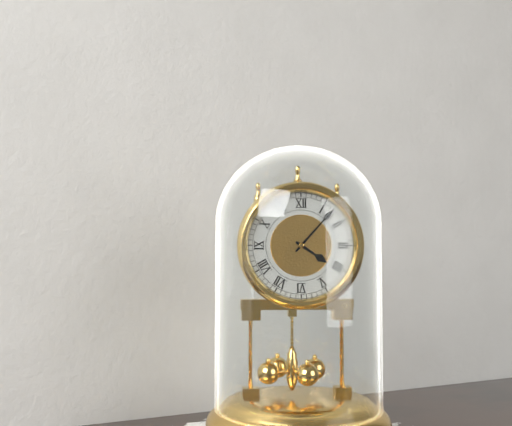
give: {"hour": 4, "minute": 7}
